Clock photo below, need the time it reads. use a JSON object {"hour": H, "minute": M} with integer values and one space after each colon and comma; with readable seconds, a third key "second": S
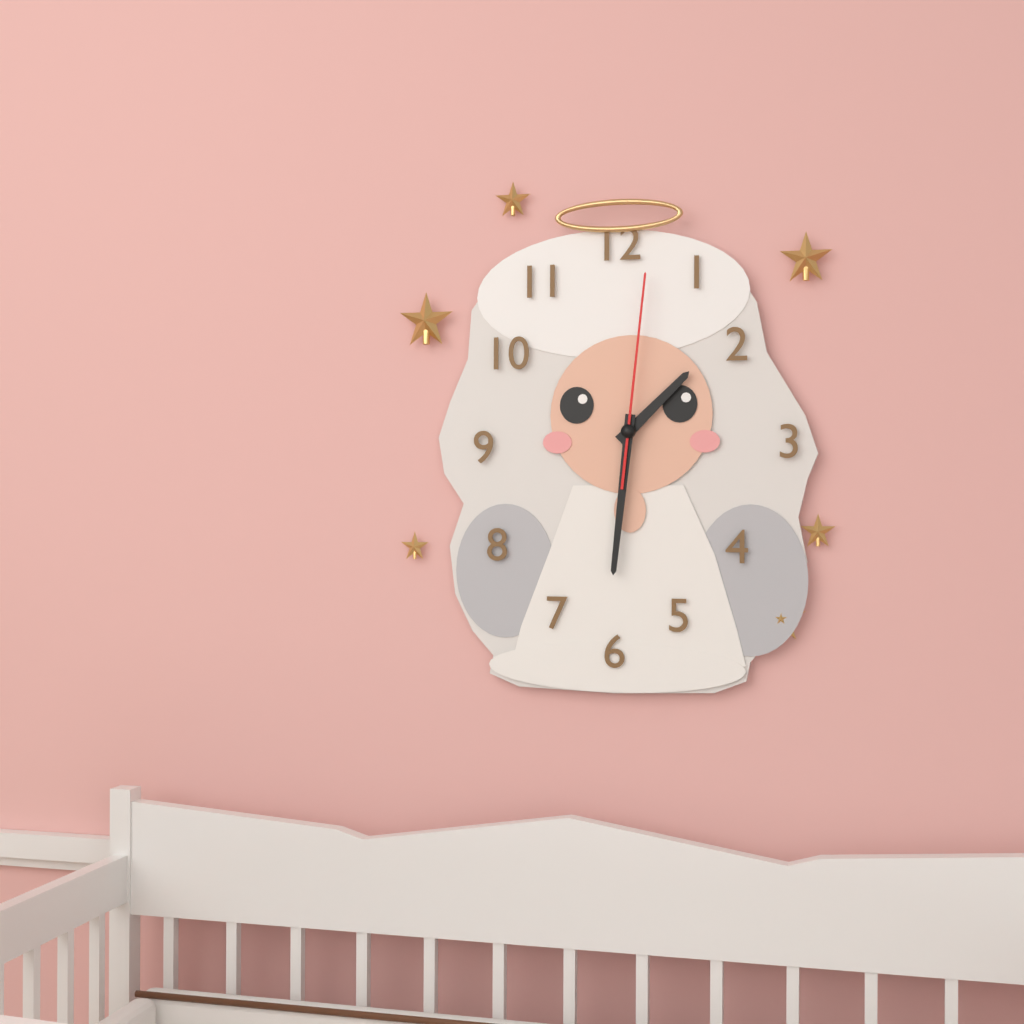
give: {"hour": 1, "minute": 31, "second": 1}
